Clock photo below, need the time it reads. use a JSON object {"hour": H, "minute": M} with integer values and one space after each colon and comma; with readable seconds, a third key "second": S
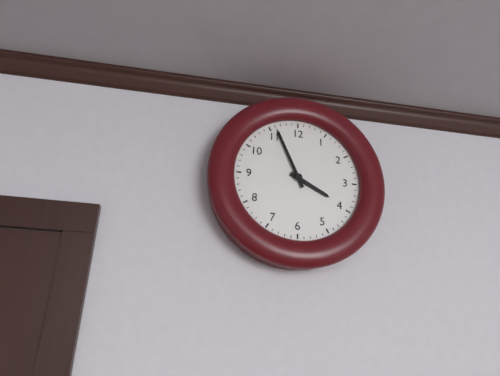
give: {"hour": 3, "minute": 56}
